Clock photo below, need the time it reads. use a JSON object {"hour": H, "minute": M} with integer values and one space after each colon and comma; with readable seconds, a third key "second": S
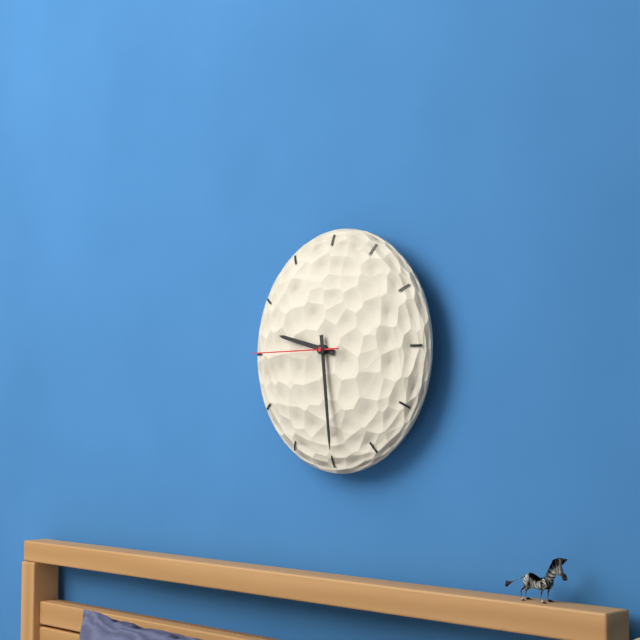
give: {"hour": 9, "minute": 29, "second": 45}
